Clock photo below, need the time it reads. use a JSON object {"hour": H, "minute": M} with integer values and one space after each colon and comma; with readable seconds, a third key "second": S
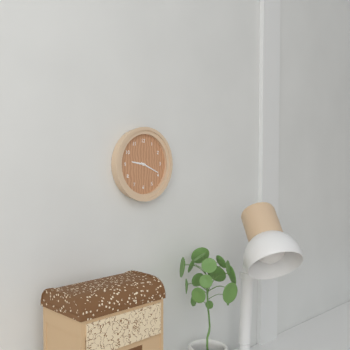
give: {"hour": 9, "minute": 19}
